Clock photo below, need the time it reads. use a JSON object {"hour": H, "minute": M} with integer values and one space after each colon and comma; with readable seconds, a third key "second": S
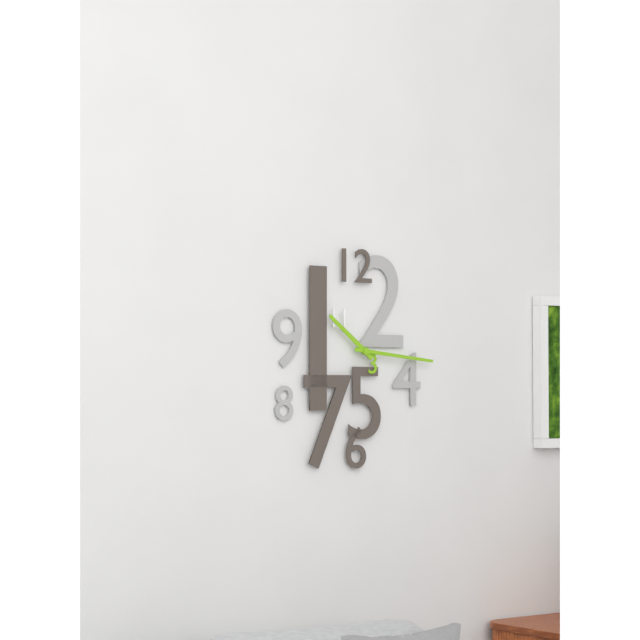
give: {"hour": 10, "minute": 16}
